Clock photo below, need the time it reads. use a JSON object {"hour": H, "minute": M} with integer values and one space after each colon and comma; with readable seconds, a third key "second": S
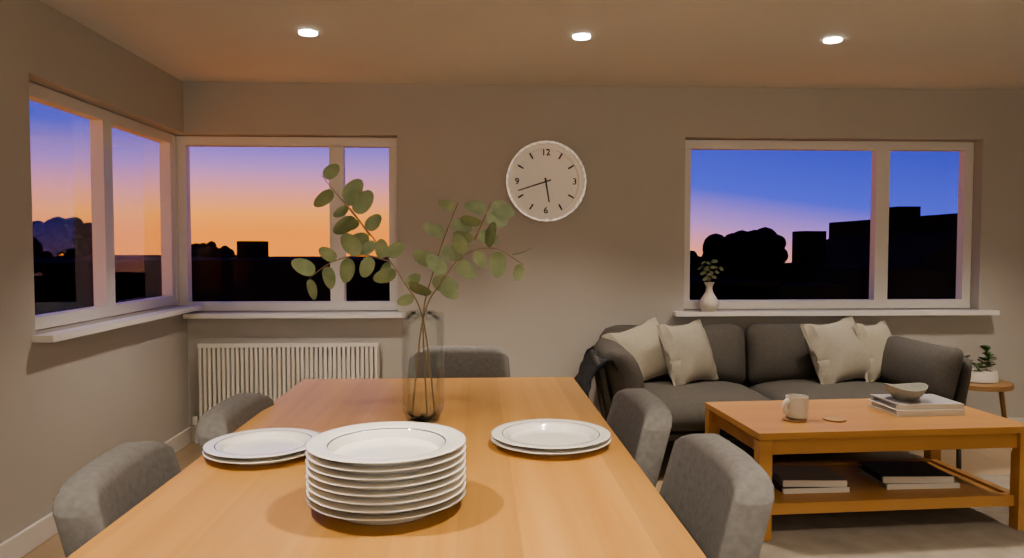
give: {"hour": 5, "minute": 42}
